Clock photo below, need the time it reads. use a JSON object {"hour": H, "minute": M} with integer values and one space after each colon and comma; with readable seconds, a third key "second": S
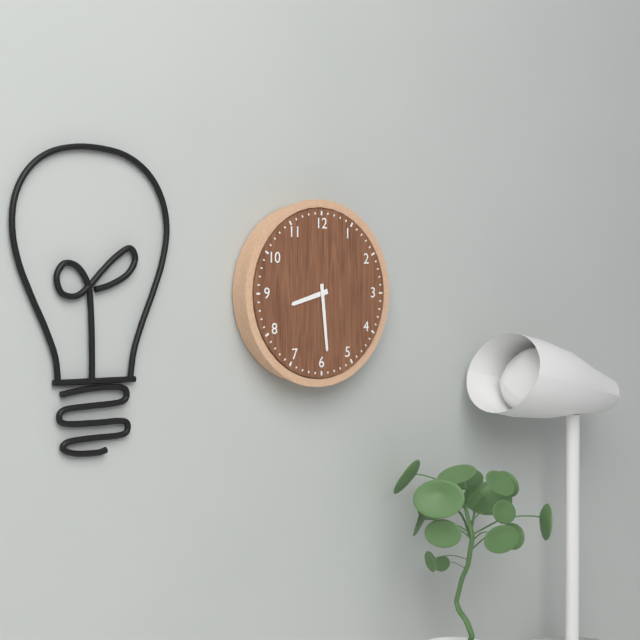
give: {"hour": 8, "minute": 29}
